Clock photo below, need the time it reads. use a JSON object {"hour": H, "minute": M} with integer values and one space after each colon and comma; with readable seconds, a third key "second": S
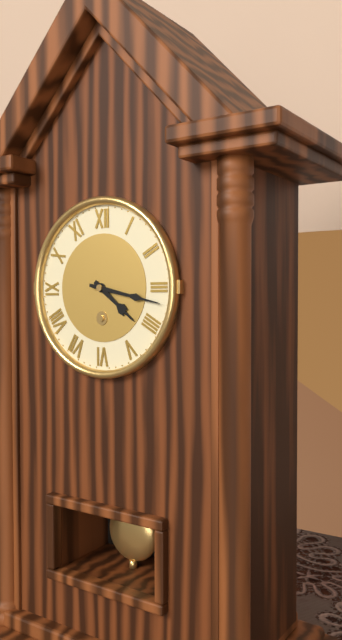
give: {"hour": 4, "minute": 17}
